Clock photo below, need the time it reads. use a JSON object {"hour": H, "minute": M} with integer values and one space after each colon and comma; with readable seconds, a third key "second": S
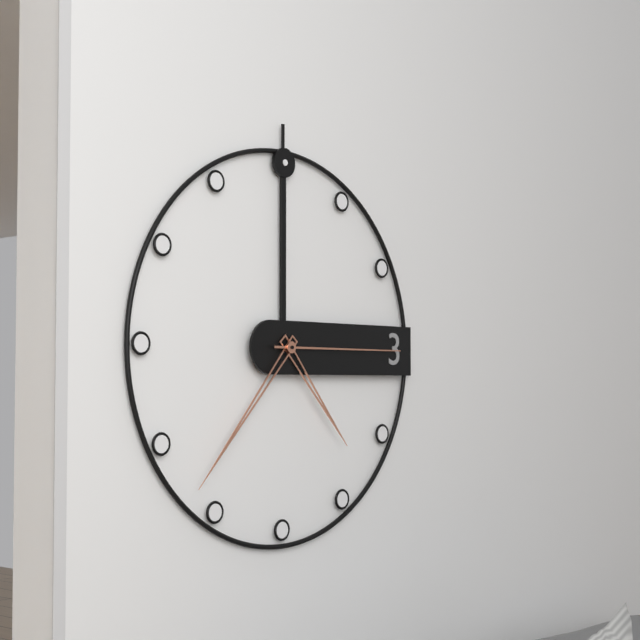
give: {"hour": 4, "minute": 37, "second": 15}
